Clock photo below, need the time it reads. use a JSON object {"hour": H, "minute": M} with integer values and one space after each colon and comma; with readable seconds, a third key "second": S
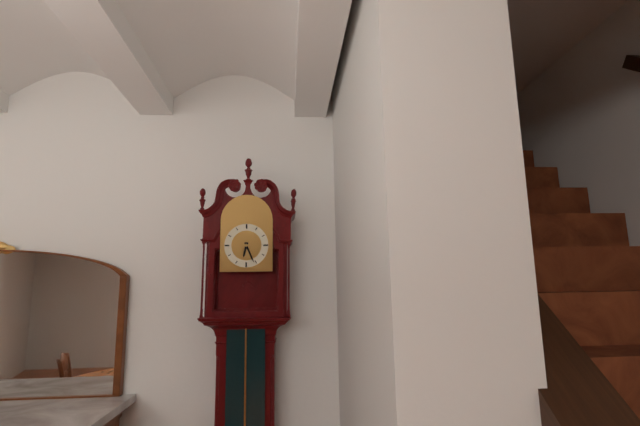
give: {"hour": 6, "minute": 26}
